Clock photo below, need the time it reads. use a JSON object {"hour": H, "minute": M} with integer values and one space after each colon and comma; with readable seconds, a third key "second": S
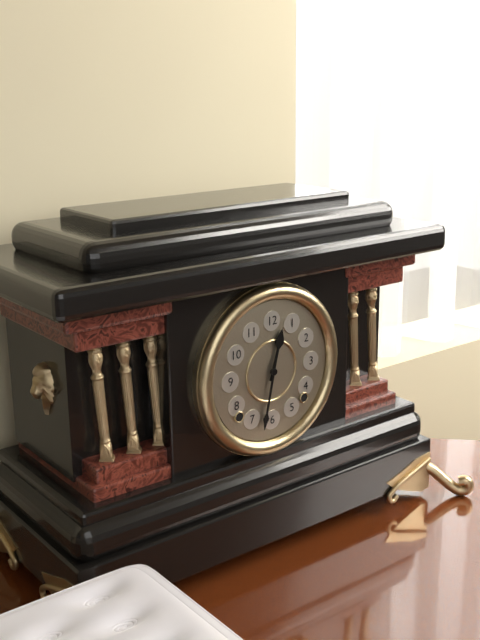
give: {"hour": 12, "minute": 32}
